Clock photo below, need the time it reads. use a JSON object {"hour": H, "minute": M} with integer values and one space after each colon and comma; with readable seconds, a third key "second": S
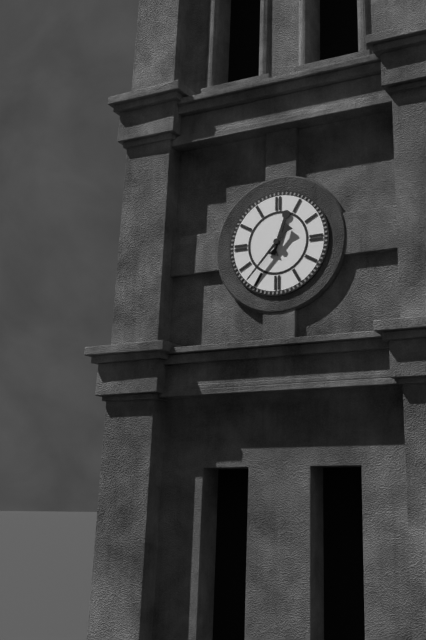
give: {"hour": 12, "minute": 37}
